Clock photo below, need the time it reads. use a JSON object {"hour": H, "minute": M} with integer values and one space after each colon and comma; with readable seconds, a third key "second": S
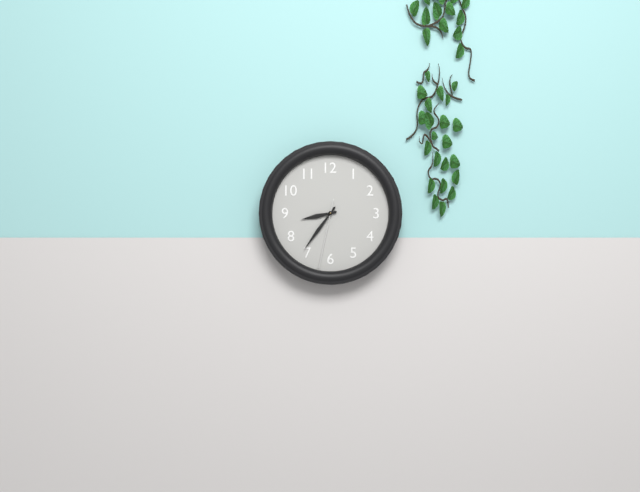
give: {"hour": 8, "minute": 36, "second": 32}
